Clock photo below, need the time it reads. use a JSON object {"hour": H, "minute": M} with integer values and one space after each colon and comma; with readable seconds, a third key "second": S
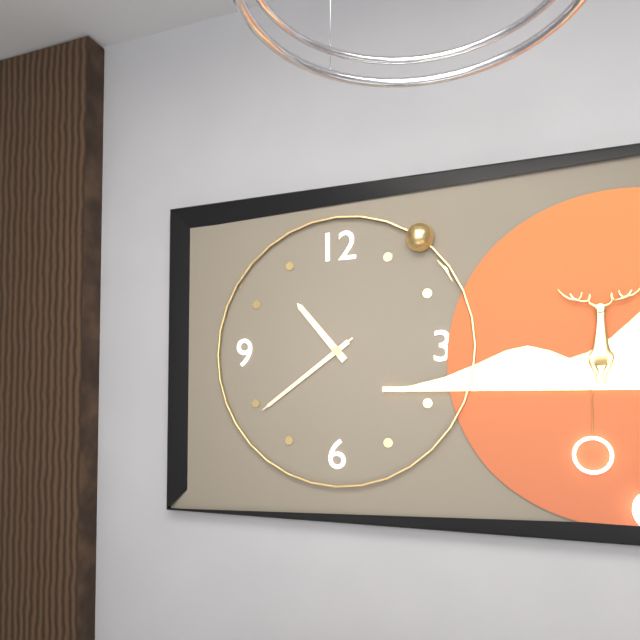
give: {"hour": 10, "minute": 39, "second": 39}
